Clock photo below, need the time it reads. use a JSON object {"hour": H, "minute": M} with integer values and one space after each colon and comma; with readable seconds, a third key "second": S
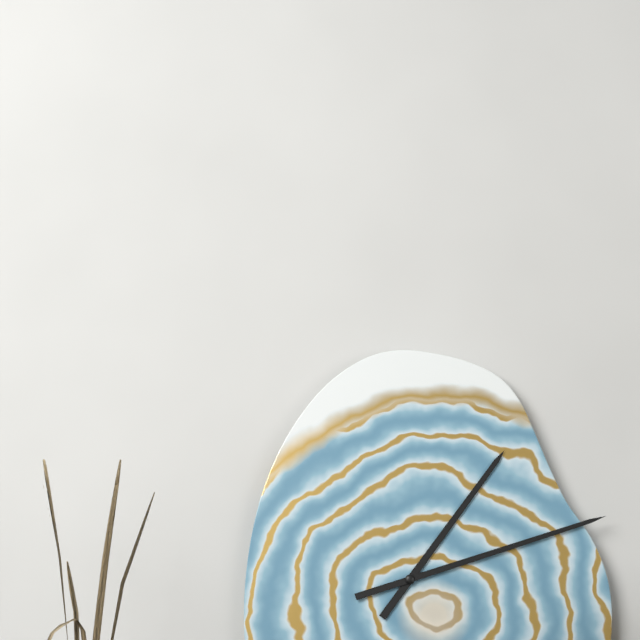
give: {"hour": 1, "minute": 12}
